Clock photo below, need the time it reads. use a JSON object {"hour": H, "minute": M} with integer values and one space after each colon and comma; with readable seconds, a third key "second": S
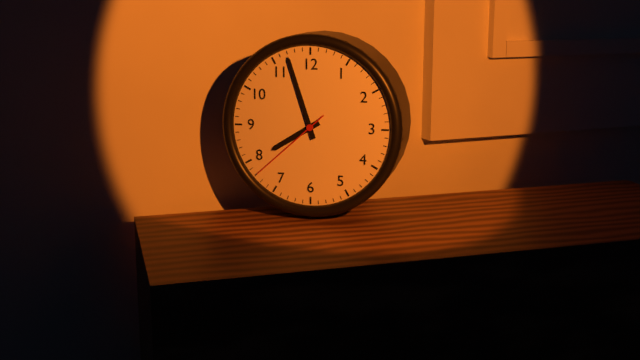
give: {"hour": 7, "minute": 57, "second": 38}
